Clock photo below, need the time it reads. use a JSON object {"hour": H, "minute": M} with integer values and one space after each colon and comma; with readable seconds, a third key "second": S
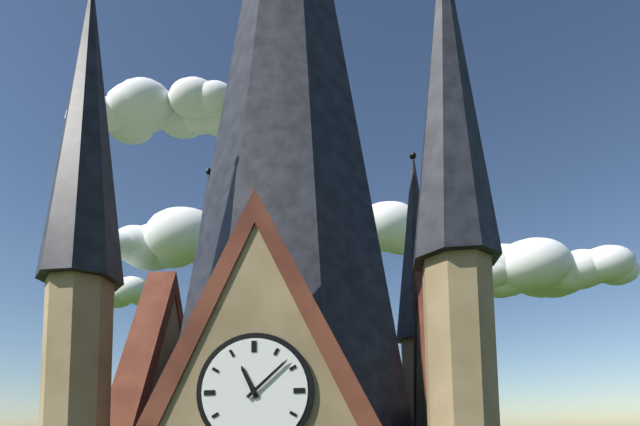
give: {"hour": 11, "minute": 8}
